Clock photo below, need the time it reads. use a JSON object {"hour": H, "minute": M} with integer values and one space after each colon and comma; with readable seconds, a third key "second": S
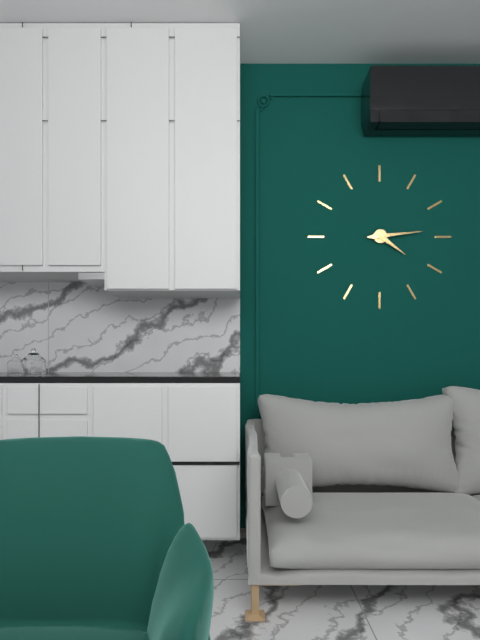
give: {"hour": 4, "minute": 14}
